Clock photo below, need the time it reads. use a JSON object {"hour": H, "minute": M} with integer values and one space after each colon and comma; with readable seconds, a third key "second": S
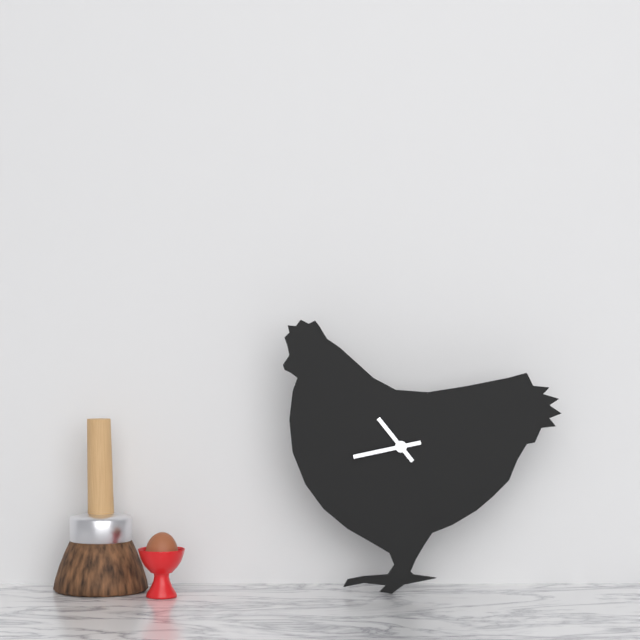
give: {"hour": 10, "minute": 43}
